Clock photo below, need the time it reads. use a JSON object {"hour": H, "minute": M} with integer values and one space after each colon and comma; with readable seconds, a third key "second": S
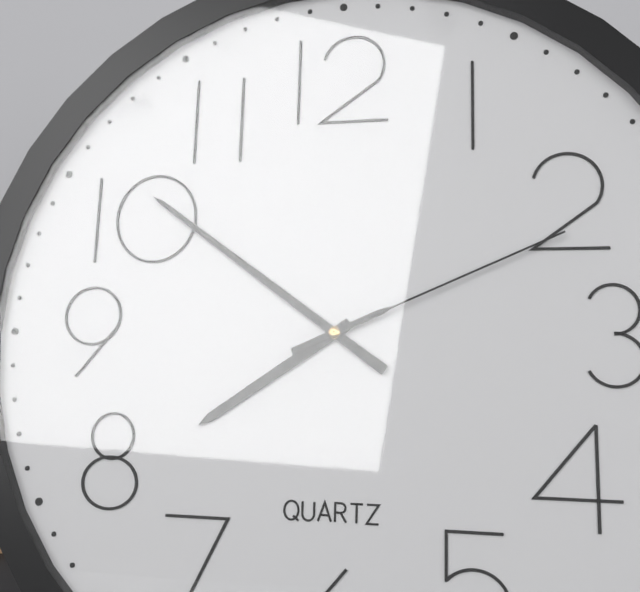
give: {"hour": 7, "minute": 51, "second": 11}
